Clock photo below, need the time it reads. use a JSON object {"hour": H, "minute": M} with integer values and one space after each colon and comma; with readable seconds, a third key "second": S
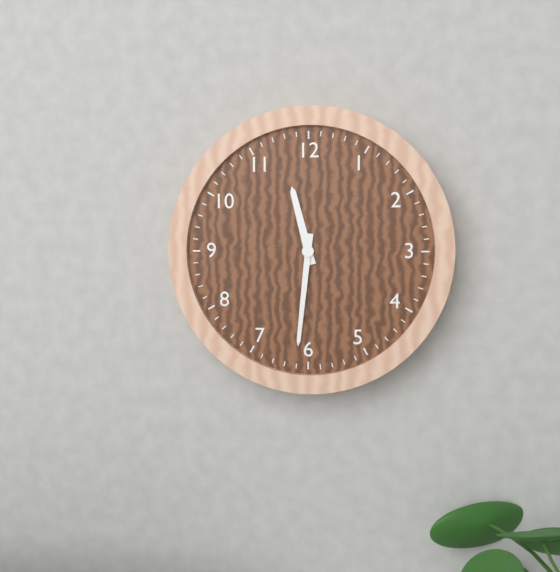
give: {"hour": 11, "minute": 31}
